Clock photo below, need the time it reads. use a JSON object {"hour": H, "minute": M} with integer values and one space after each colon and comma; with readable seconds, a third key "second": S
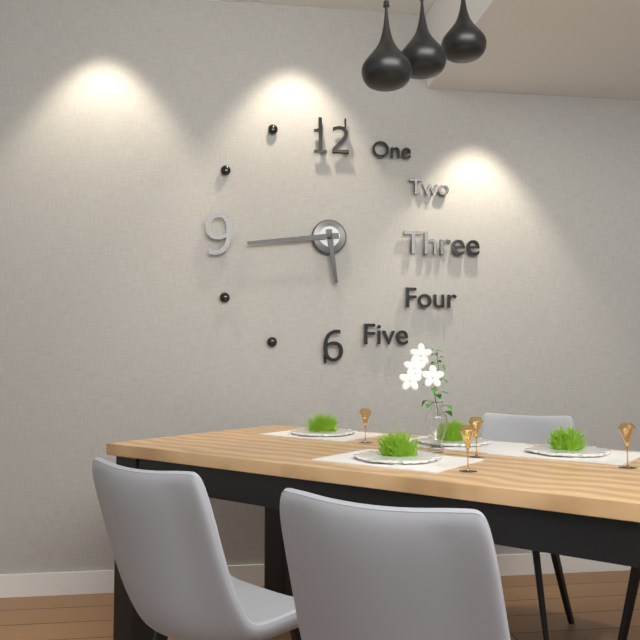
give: {"hour": 5, "minute": 44}
